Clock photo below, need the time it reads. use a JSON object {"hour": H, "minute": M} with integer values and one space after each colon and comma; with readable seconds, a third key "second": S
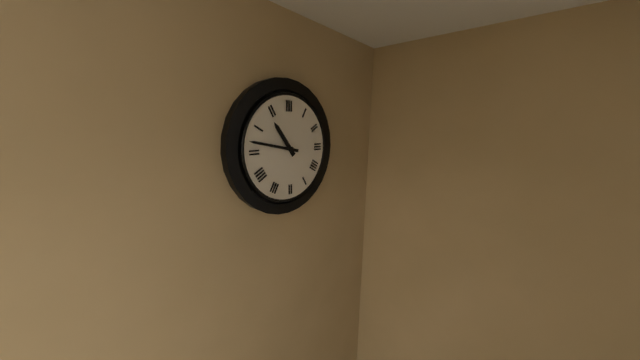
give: {"hour": 10, "minute": 47}
